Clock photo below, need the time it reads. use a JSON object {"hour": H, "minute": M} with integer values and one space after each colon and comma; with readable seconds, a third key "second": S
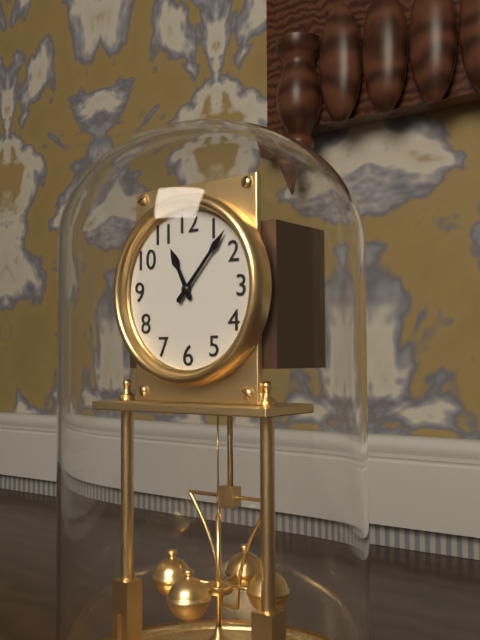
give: {"hour": 11, "minute": 7}
